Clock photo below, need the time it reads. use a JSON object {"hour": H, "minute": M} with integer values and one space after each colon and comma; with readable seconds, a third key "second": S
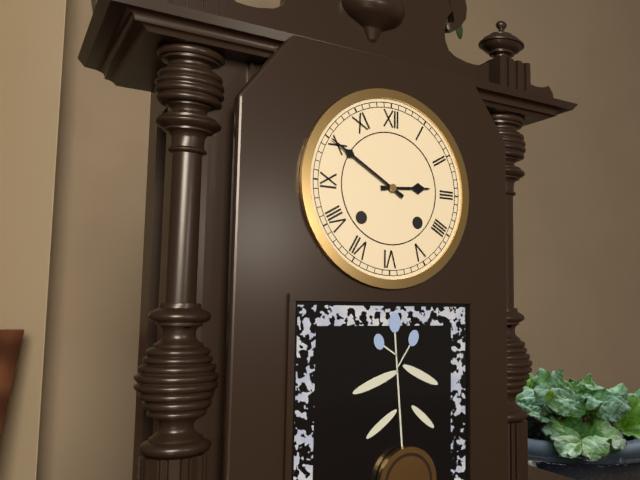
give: {"hour": 2, "minute": 50}
